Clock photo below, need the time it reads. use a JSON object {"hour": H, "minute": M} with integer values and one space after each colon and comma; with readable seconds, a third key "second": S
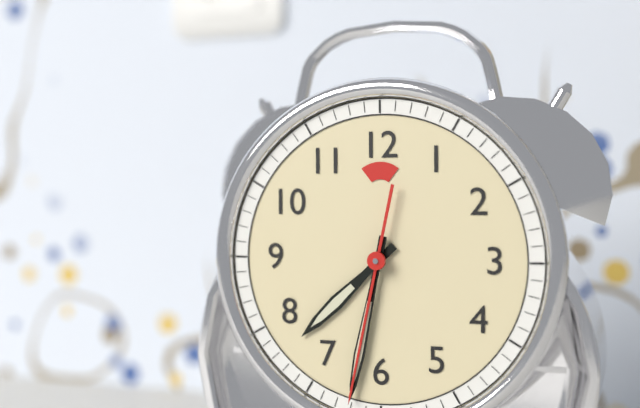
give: {"hour": 7, "minute": 32, "second": 32}
